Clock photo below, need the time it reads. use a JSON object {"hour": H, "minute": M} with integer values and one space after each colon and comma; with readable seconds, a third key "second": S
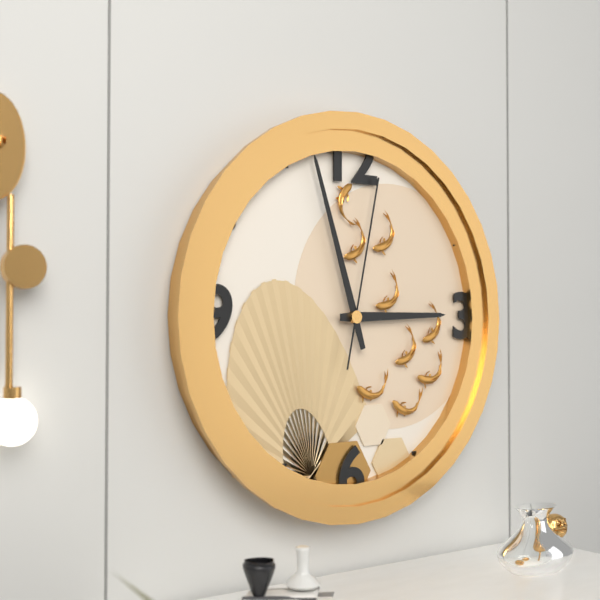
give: {"hour": 2, "minute": 57, "second": 2}
